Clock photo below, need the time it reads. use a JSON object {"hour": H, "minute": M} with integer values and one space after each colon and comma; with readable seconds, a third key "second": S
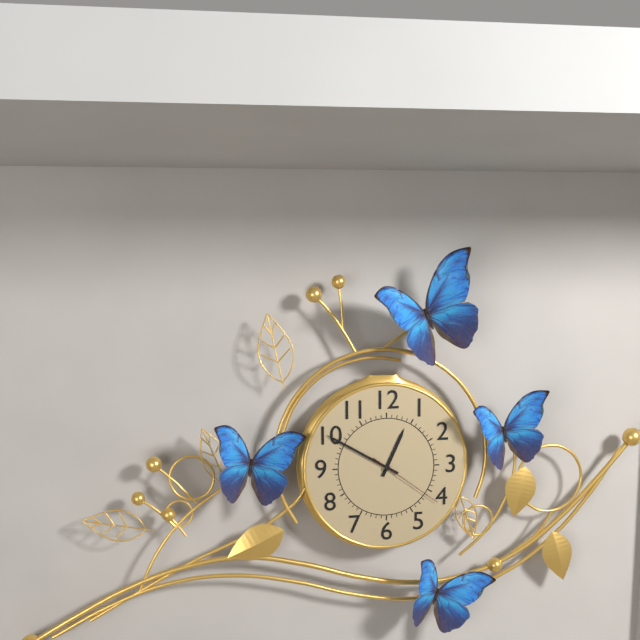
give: {"hour": 12, "minute": 50, "second": 21}
